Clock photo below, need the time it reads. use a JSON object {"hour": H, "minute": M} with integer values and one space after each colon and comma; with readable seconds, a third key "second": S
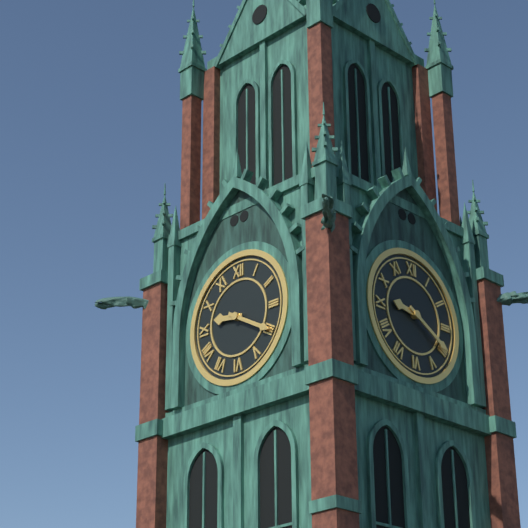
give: {"hour": 9, "minute": 20}
